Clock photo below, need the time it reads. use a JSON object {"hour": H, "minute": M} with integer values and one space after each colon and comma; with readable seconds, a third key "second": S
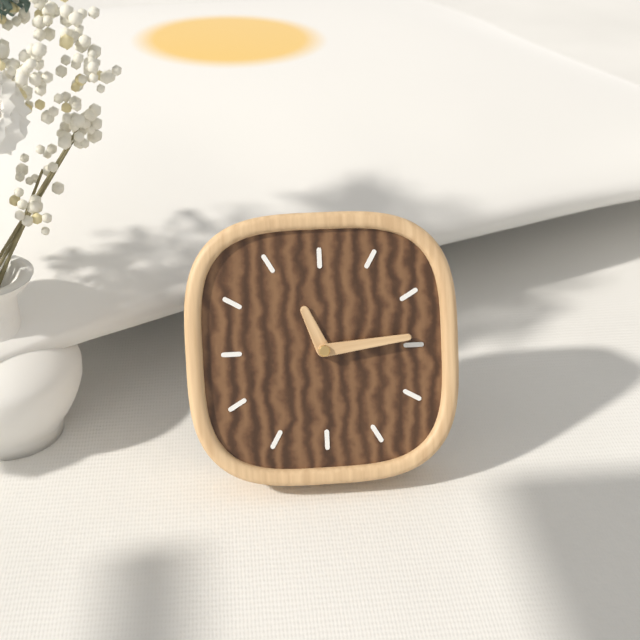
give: {"hour": 11, "minute": 14}
